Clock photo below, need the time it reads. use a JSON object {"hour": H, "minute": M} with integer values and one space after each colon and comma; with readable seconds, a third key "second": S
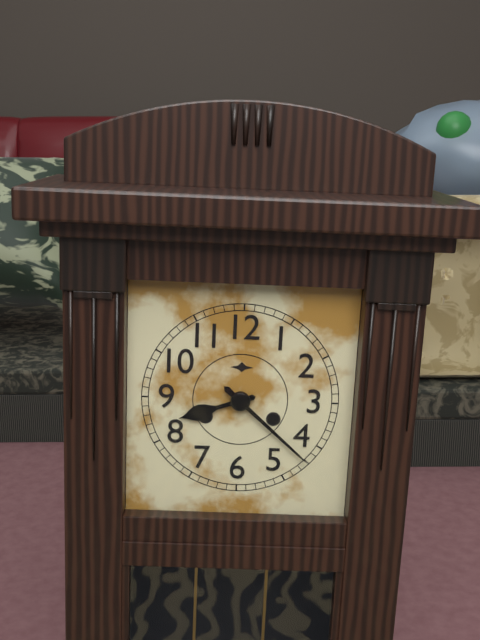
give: {"hour": 8, "minute": 22}
